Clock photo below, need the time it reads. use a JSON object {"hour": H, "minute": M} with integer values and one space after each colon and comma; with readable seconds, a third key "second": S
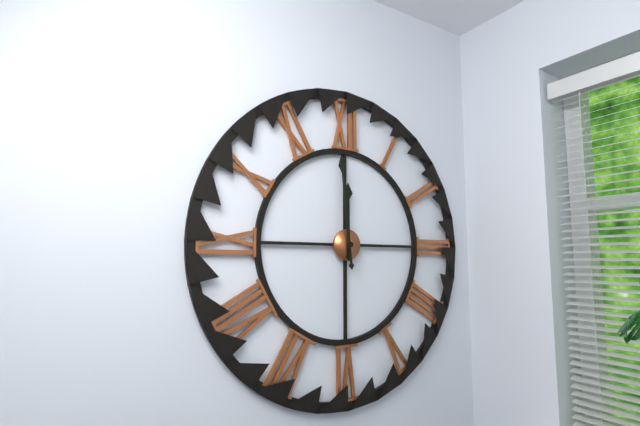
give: {"hour": 11, "minute": 59}
